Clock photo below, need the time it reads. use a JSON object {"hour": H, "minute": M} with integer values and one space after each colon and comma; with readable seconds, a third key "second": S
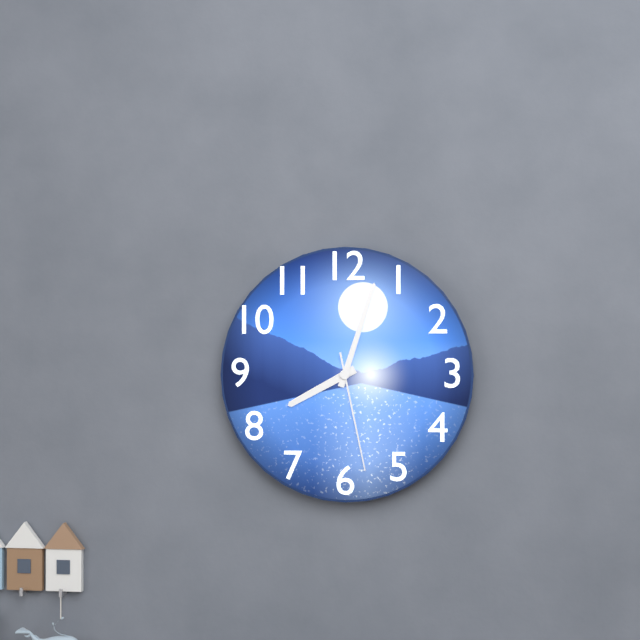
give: {"hour": 8, "minute": 3, "second": 28}
